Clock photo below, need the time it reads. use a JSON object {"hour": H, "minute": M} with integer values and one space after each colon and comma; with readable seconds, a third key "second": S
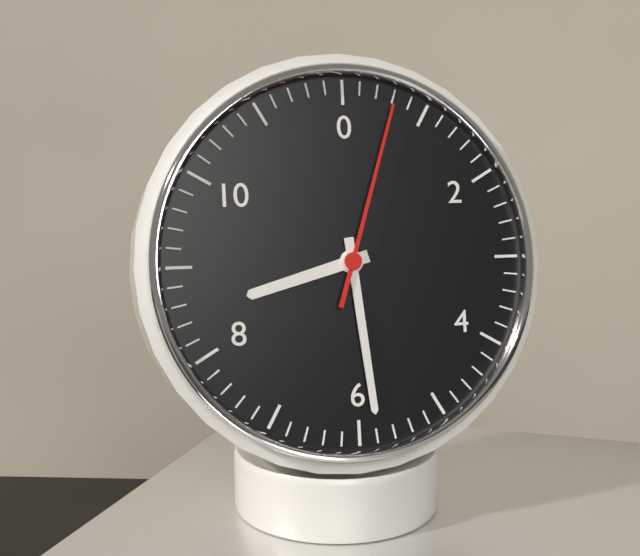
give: {"hour": 8, "minute": 29, "second": 3}
